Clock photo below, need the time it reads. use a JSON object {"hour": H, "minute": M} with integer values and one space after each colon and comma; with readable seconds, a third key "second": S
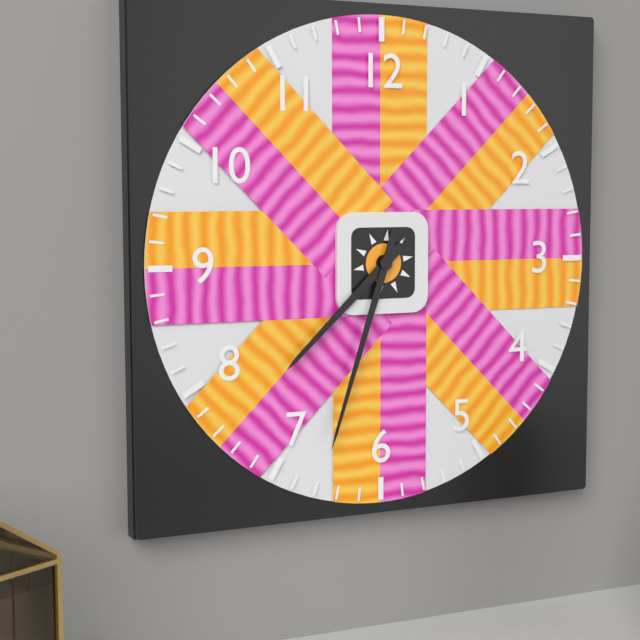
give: {"hour": 7, "minute": 33}
